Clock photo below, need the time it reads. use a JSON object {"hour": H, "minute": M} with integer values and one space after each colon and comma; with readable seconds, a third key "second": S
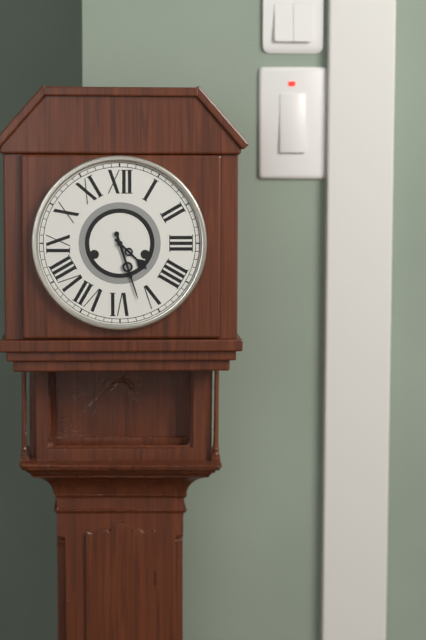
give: {"hour": 4, "minute": 27}
